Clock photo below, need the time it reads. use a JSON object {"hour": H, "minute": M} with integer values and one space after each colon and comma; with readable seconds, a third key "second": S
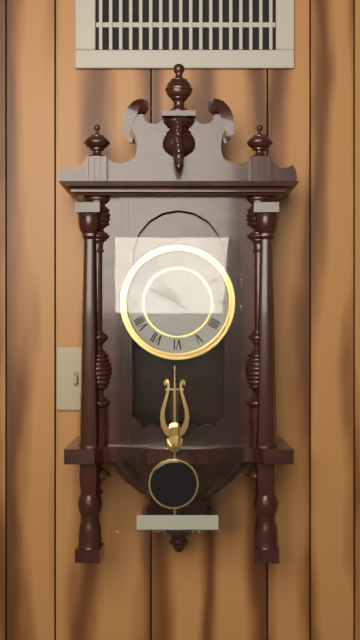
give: {"hour": 9, "minute": 53}
